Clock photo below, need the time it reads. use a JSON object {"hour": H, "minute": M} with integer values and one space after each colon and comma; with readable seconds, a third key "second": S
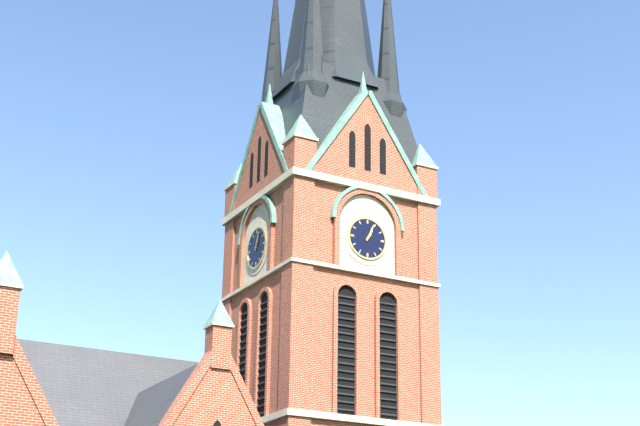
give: {"hour": 1, "minute": 4}
